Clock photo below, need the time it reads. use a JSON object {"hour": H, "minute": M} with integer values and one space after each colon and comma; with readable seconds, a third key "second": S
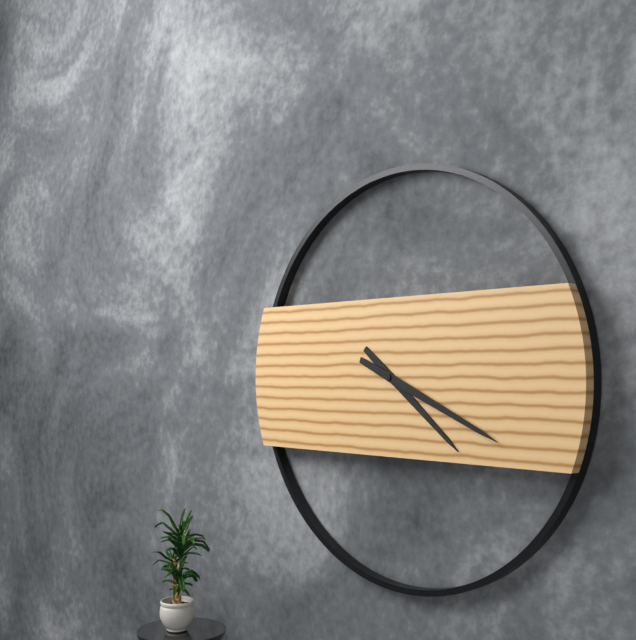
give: {"hour": 4, "minute": 19}
